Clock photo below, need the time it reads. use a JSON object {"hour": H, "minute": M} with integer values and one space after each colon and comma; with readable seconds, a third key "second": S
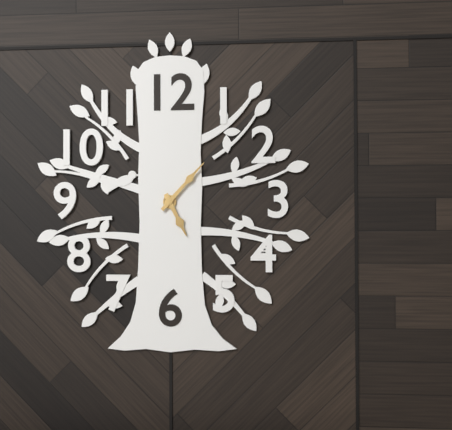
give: {"hour": 5, "minute": 7}
